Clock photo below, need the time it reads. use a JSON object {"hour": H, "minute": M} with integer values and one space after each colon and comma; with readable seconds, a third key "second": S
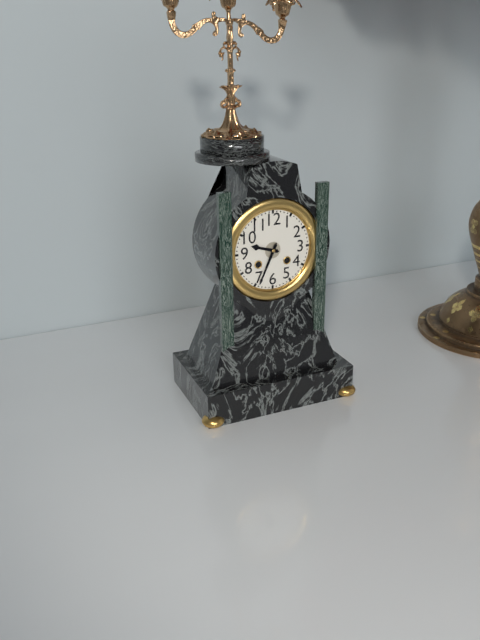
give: {"hour": 9, "minute": 34}
